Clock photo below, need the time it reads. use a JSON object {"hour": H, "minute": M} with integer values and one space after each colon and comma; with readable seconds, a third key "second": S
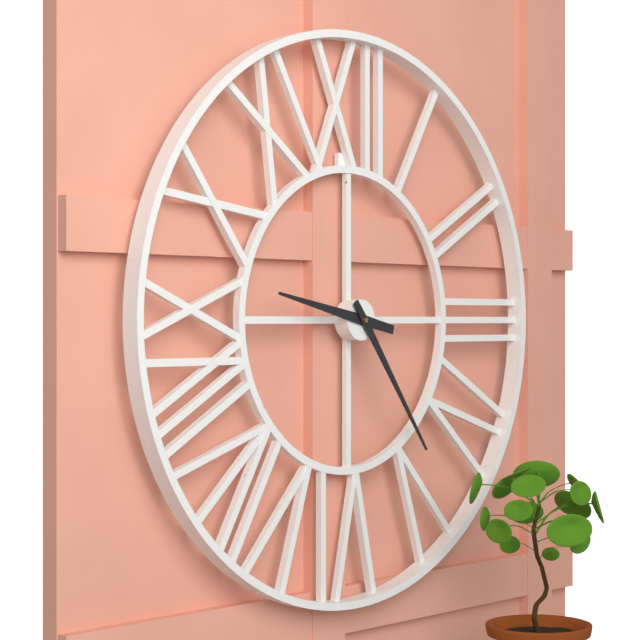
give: {"hour": 9, "minute": 24}
